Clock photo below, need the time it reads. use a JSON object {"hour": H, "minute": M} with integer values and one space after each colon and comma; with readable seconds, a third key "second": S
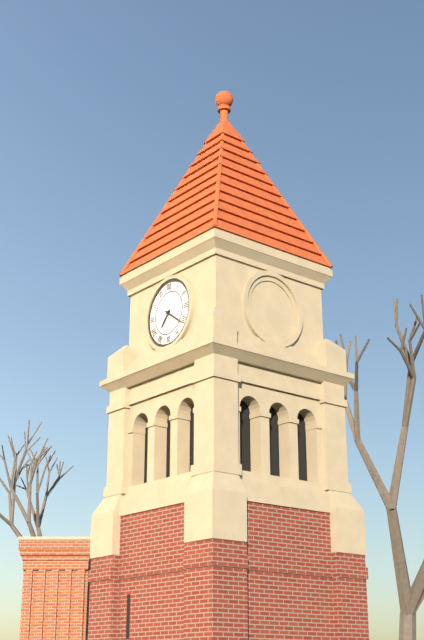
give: {"hour": 7, "minute": 21}
